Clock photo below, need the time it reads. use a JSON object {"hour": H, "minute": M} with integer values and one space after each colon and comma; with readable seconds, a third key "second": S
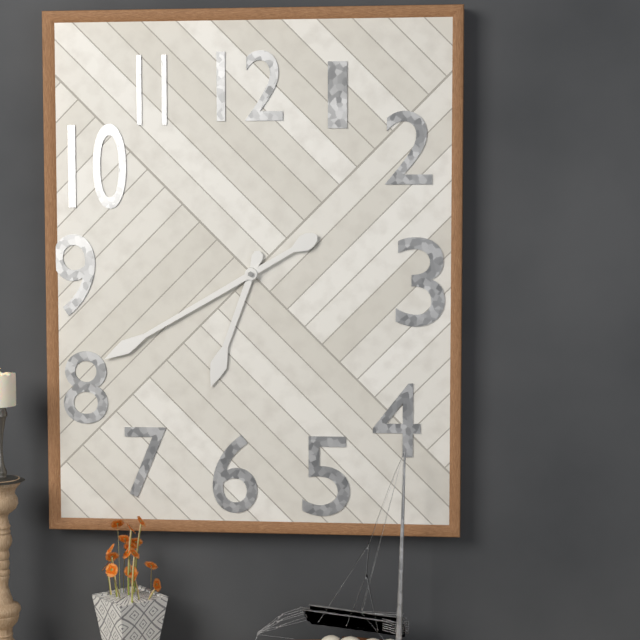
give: {"hour": 6, "minute": 40}
